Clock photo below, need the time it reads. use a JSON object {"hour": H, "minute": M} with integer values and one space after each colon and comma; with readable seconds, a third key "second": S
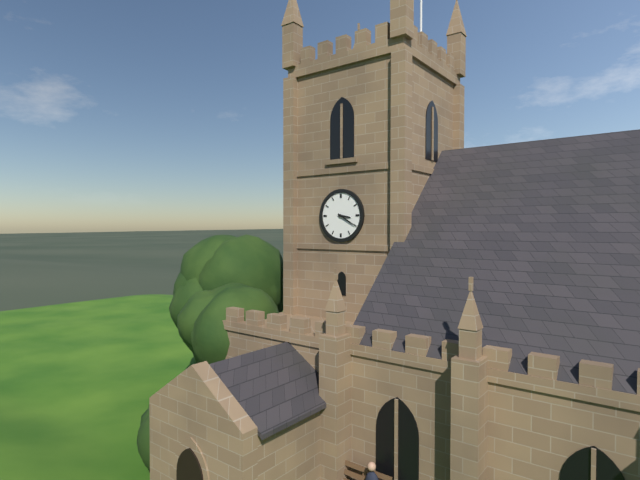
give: {"hour": 3, "minute": 20}
